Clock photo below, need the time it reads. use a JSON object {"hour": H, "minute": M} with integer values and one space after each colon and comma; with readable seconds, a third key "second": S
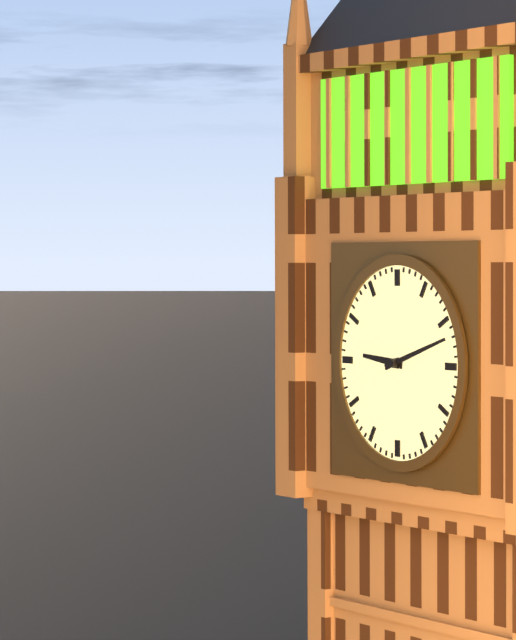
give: {"hour": 9, "minute": 12}
